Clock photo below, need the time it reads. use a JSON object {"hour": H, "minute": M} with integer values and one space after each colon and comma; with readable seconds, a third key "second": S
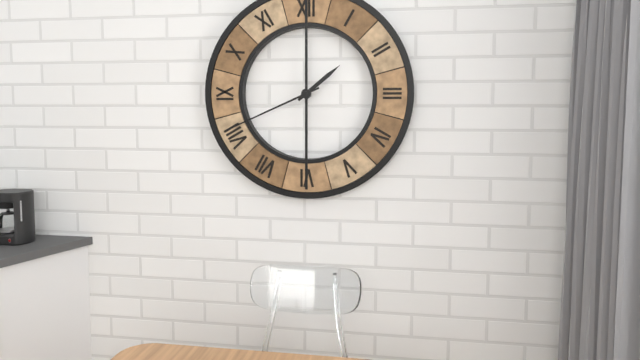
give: {"hour": 1, "minute": 41}
